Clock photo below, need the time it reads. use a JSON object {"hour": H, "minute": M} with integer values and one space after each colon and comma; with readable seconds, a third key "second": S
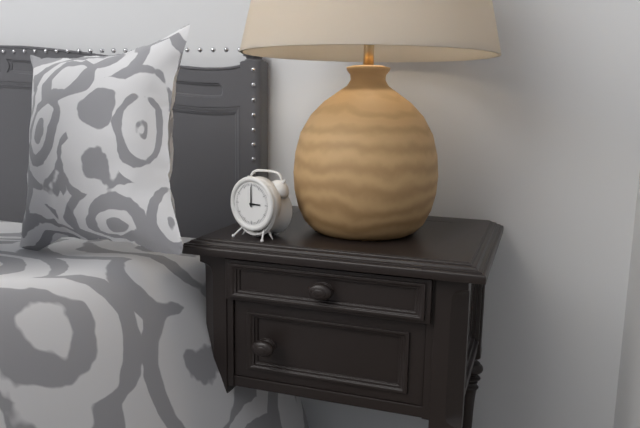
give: {"hour": 3, "minute": 0}
